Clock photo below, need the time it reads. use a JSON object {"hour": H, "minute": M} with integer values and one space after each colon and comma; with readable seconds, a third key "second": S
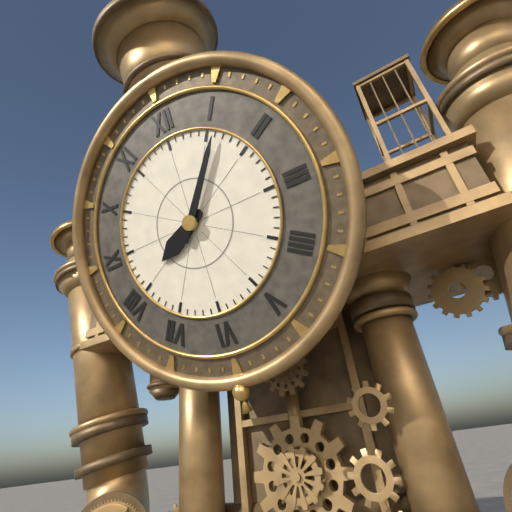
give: {"hour": 8, "minute": 6}
